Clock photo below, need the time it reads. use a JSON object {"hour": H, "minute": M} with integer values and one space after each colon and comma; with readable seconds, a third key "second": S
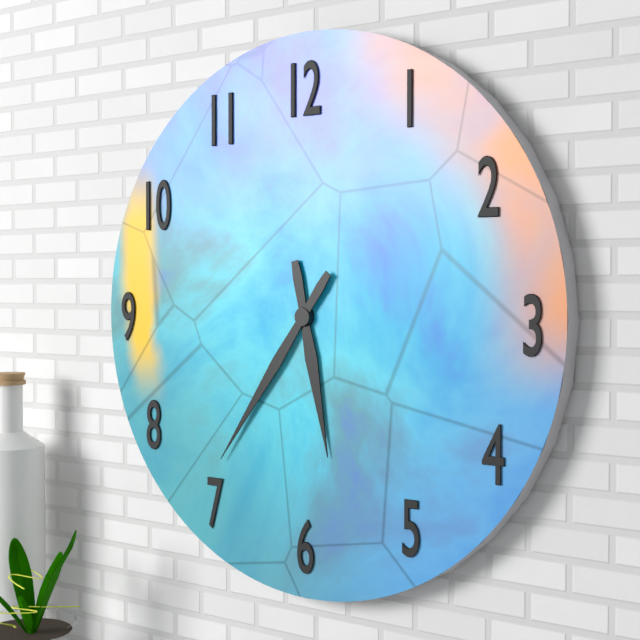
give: {"hour": 5, "minute": 36}
